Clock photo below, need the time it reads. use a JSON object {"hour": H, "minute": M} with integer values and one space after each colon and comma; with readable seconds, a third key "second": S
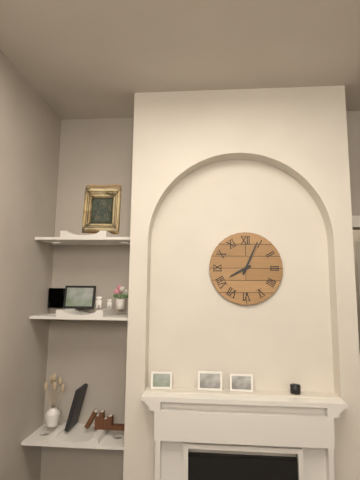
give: {"hour": 8, "minute": 4}
